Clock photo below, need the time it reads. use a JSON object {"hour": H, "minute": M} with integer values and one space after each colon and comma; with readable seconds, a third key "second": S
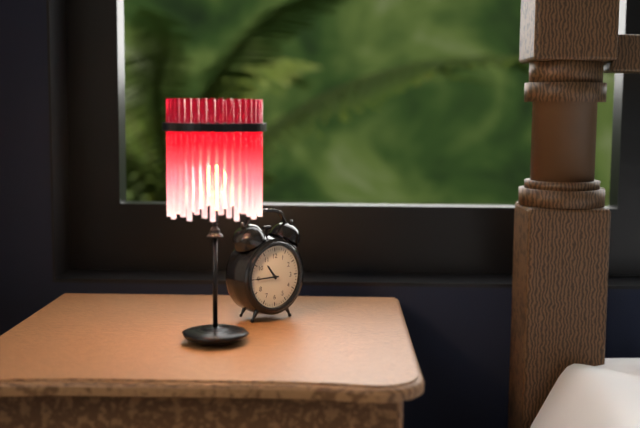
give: {"hour": 10, "minute": 45}
